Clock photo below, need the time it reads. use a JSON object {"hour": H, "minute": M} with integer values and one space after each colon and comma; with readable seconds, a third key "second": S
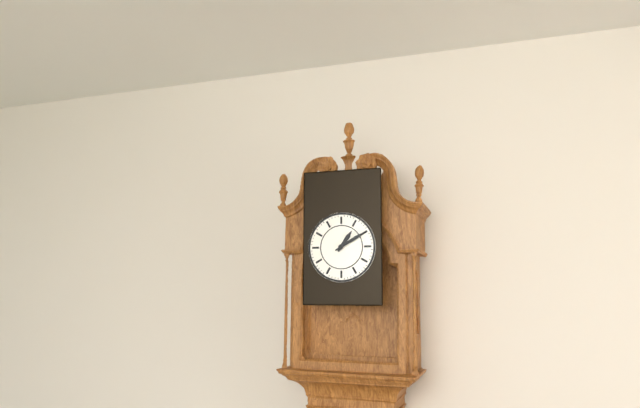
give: {"hour": 1, "minute": 10}
